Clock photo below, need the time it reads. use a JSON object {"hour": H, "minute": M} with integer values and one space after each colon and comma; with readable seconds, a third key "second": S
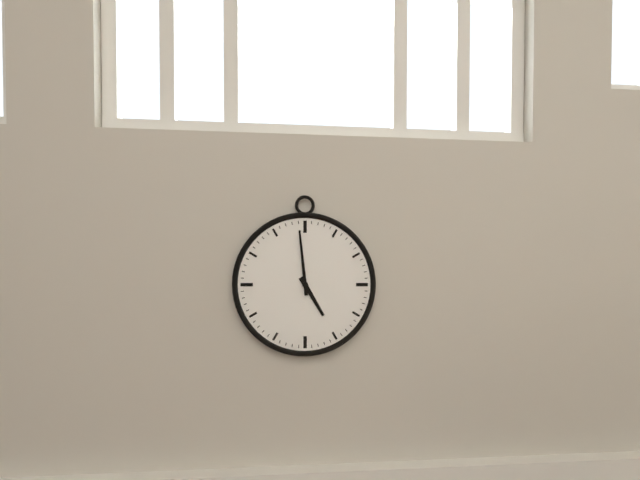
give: {"hour": 4, "minute": 59}
